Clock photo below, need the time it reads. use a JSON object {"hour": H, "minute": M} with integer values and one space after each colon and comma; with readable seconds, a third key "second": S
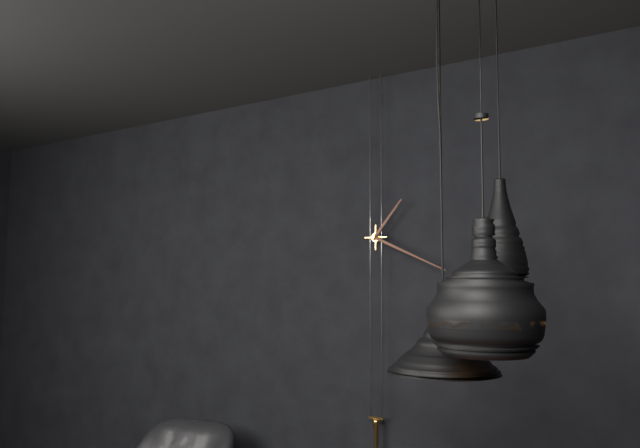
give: {"hour": 1, "minute": 19}
